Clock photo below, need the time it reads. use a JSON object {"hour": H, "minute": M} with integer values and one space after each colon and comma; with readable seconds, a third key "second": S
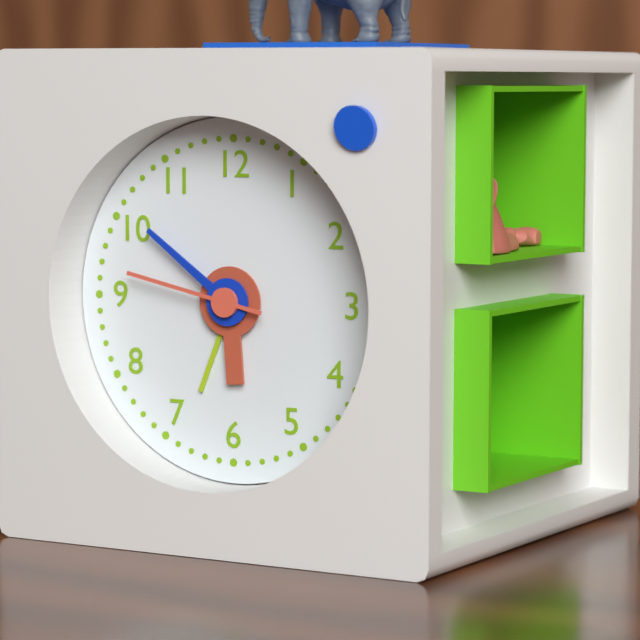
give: {"hour": 5, "minute": 51, "second": 47}
